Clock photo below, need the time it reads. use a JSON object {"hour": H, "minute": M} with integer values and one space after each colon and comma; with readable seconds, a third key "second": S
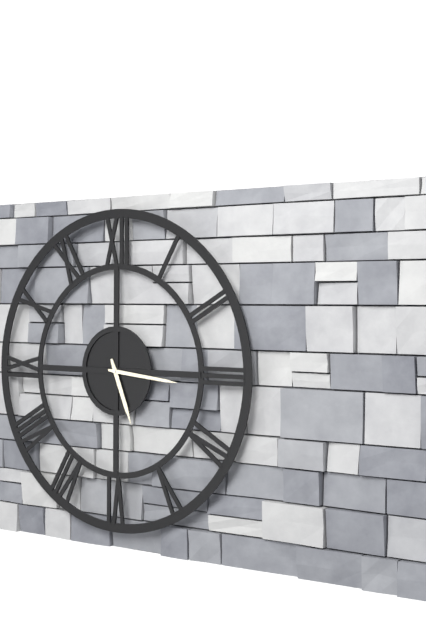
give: {"hour": 5, "minute": 16}
